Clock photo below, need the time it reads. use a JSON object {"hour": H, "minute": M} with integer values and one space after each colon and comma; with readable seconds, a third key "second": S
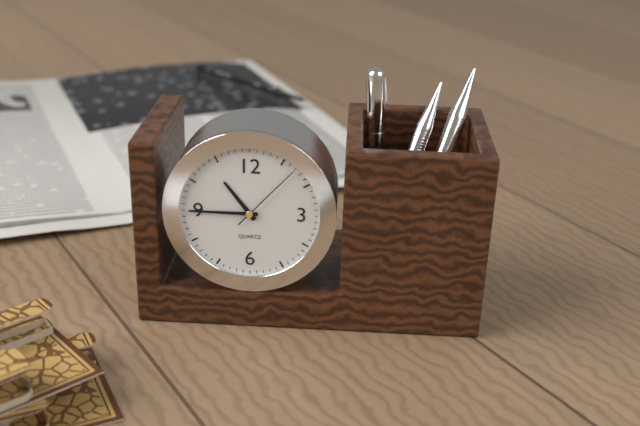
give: {"hour": 10, "minute": 45, "second": 7}
